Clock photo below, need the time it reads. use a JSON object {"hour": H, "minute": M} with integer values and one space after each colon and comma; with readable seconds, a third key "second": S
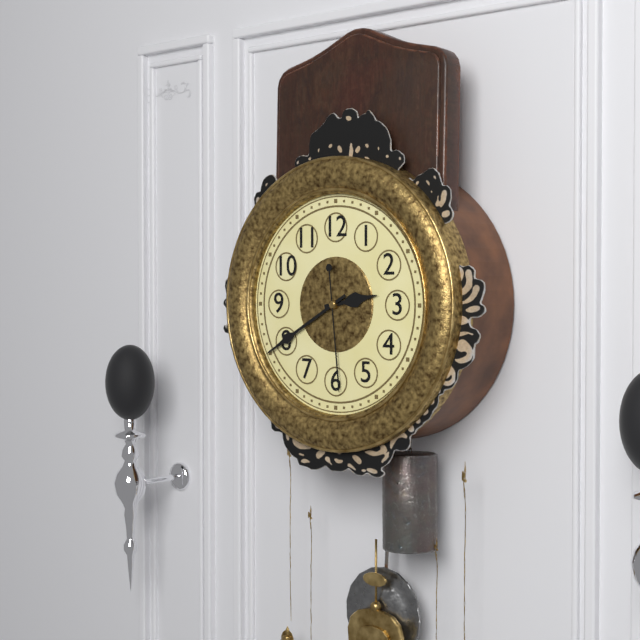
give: {"hour": 2, "minute": 40, "second": 29}
